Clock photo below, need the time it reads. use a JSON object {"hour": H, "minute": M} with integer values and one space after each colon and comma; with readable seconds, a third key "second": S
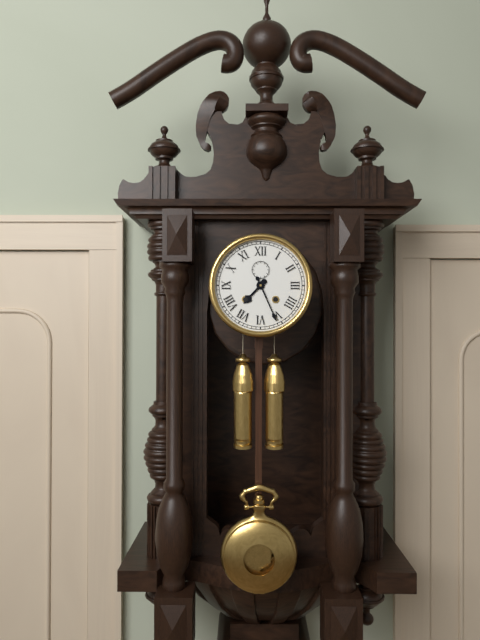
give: {"hour": 7, "minute": 26}
